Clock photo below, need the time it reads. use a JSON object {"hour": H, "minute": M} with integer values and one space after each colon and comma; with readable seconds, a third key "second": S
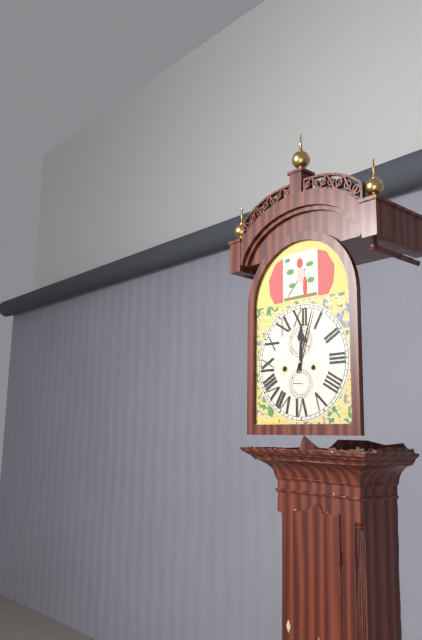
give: {"hour": 12, "minute": 3}
